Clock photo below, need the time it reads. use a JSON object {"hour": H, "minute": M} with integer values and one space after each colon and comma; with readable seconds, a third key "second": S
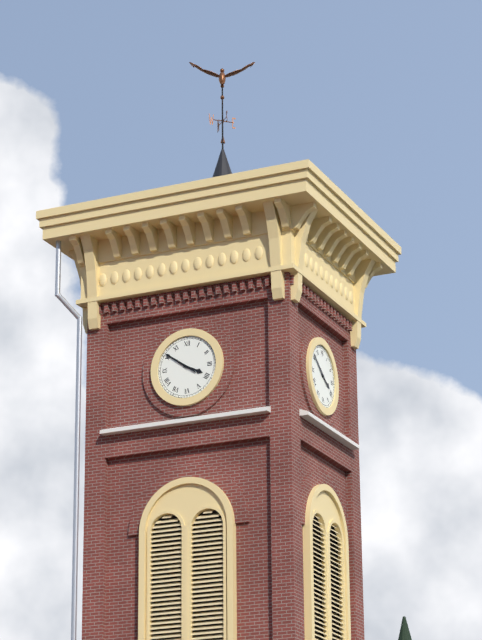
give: {"hour": 3, "minute": 51}
